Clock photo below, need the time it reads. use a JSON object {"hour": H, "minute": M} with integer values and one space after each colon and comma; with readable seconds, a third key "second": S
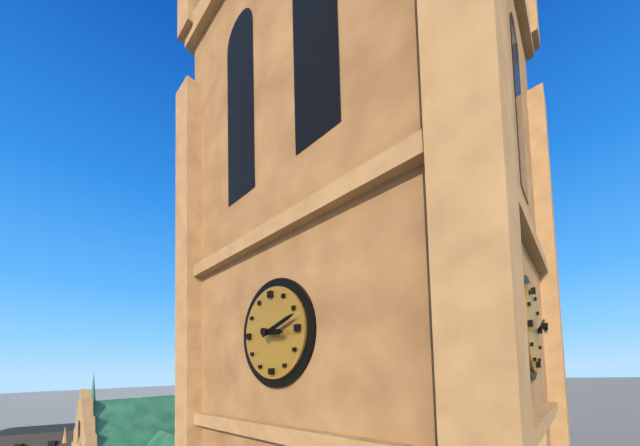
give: {"hour": 3, "minute": 12}
